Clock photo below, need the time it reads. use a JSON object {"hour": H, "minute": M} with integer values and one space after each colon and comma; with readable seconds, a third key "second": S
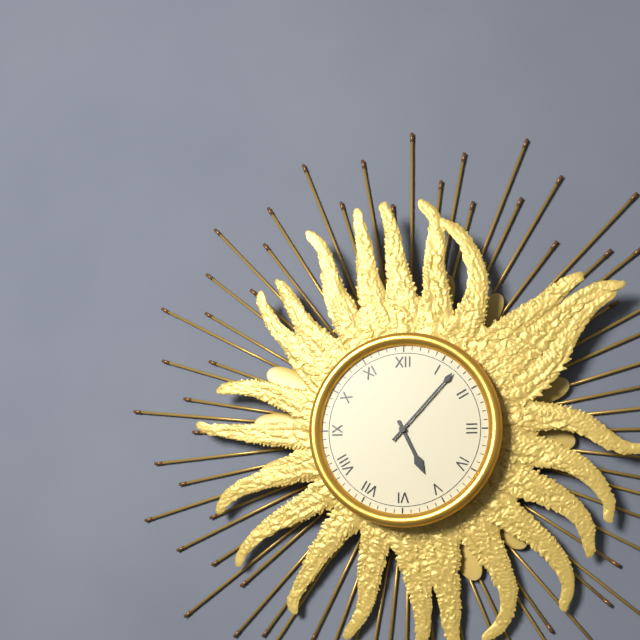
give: {"hour": 5, "minute": 7}
